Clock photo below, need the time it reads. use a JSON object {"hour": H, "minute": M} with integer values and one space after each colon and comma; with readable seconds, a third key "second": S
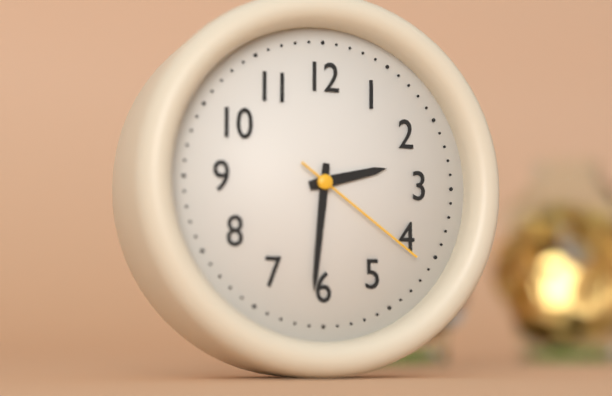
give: {"hour": 2, "minute": 31, "second": 21}
